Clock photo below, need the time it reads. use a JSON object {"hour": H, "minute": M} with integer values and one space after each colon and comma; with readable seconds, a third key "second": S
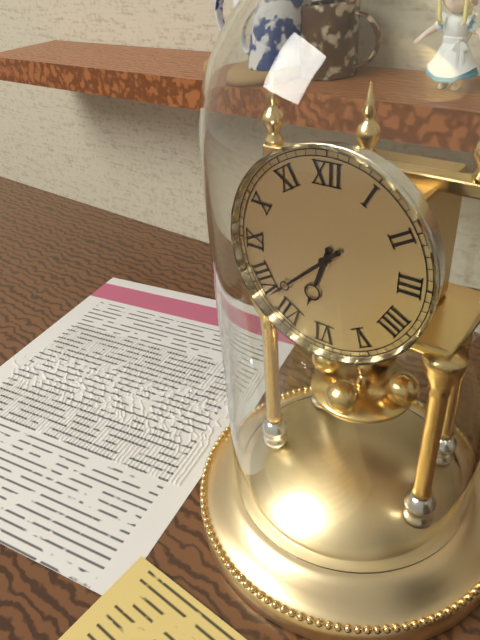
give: {"hour": 6, "minute": 38}
